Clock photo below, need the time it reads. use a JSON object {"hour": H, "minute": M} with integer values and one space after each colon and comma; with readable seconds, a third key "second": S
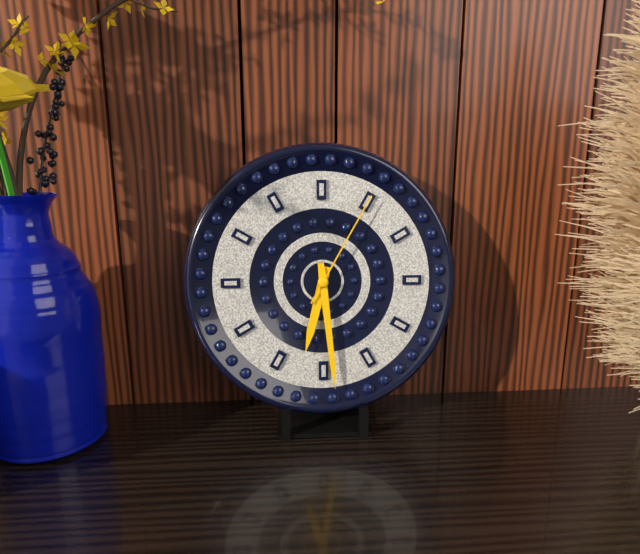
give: {"hour": 6, "minute": 29, "second": 5}
